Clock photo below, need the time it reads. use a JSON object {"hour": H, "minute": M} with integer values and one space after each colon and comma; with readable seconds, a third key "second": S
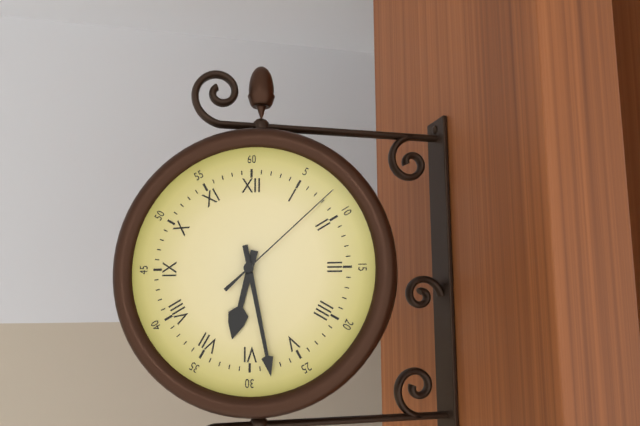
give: {"hour": 6, "minute": 28, "second": 8}
